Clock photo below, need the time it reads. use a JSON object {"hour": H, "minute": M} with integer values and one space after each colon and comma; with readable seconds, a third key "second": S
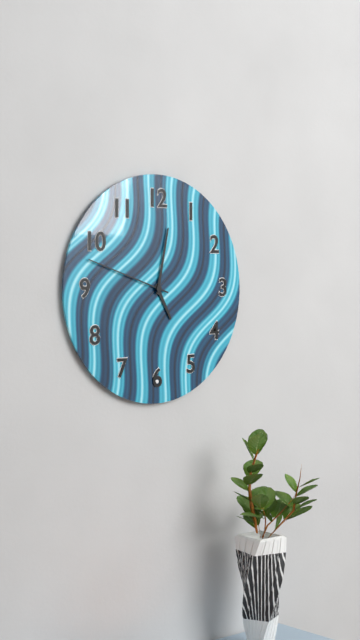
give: {"hour": 5, "minute": 2, "second": 48}
